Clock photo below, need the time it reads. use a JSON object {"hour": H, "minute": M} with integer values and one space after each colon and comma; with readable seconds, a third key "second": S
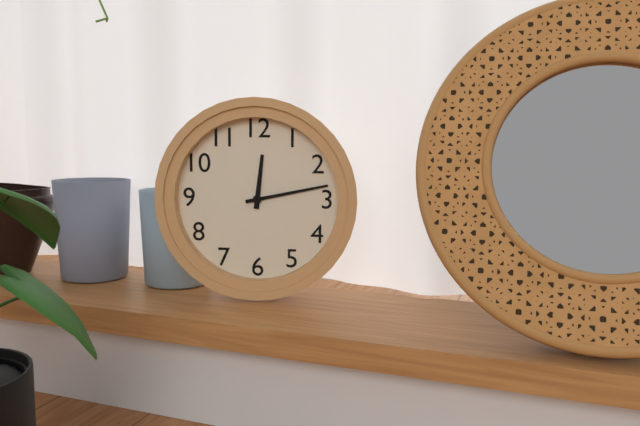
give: {"hour": 12, "minute": 13}
